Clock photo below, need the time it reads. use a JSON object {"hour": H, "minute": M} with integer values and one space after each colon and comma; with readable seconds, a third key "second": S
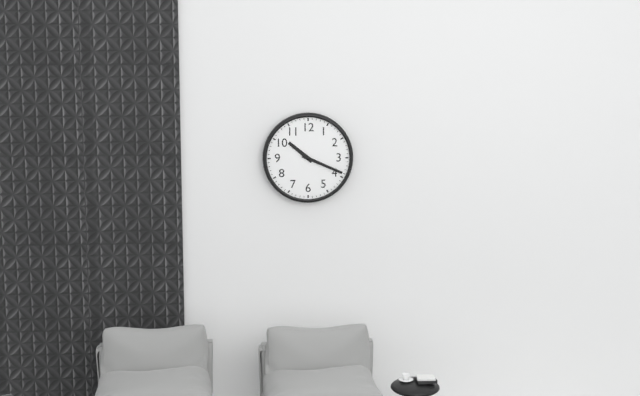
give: {"hour": 10, "minute": 19}
